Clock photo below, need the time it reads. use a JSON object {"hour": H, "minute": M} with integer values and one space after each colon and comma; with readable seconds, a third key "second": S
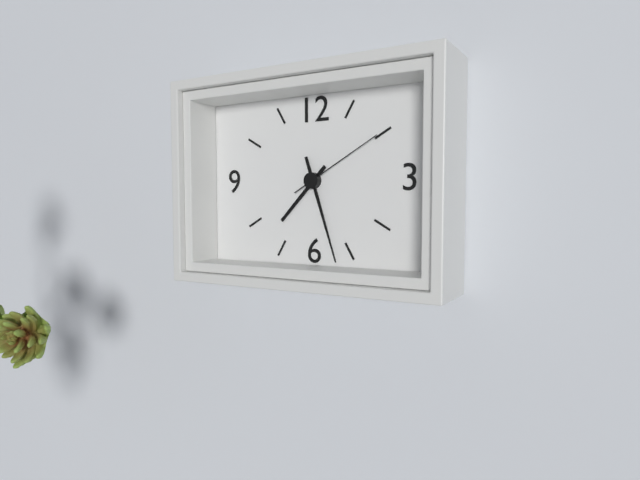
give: {"hour": 7, "minute": 27, "second": 10}
